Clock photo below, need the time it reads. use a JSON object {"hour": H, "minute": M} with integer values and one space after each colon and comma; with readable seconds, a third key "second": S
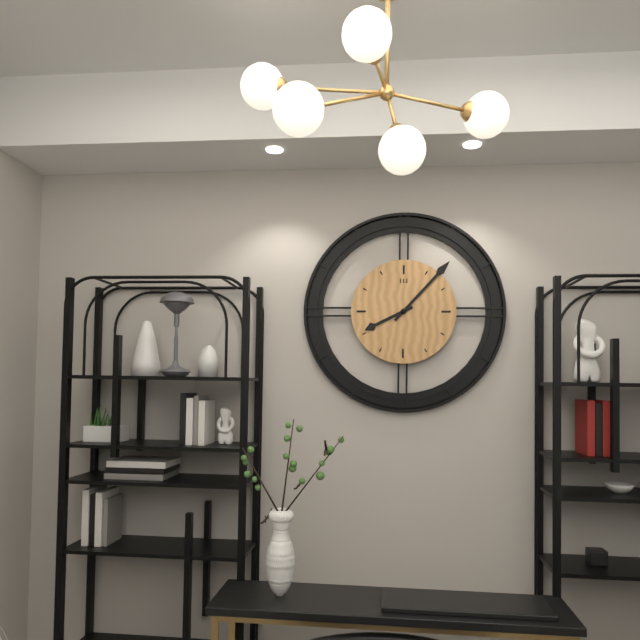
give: {"hour": 8, "minute": 7}
